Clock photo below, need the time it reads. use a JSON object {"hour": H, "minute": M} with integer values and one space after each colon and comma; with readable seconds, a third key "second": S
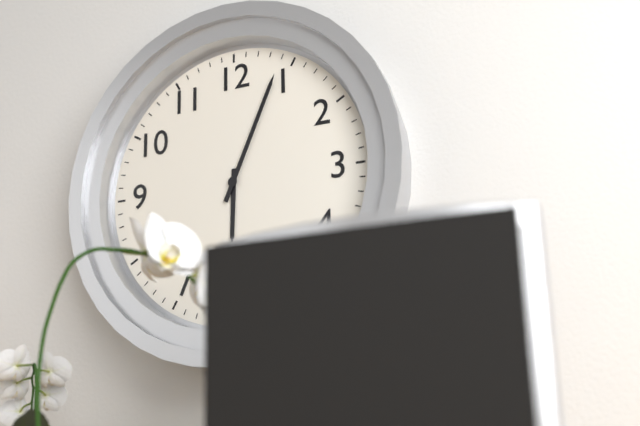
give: {"hour": 6, "minute": 4}
